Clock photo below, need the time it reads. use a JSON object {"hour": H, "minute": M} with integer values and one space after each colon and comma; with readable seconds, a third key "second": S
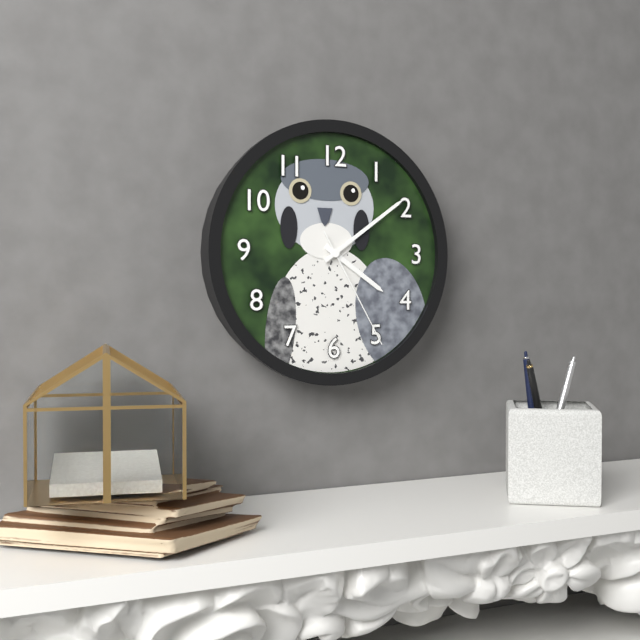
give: {"hour": 4, "minute": 9, "second": 25}
